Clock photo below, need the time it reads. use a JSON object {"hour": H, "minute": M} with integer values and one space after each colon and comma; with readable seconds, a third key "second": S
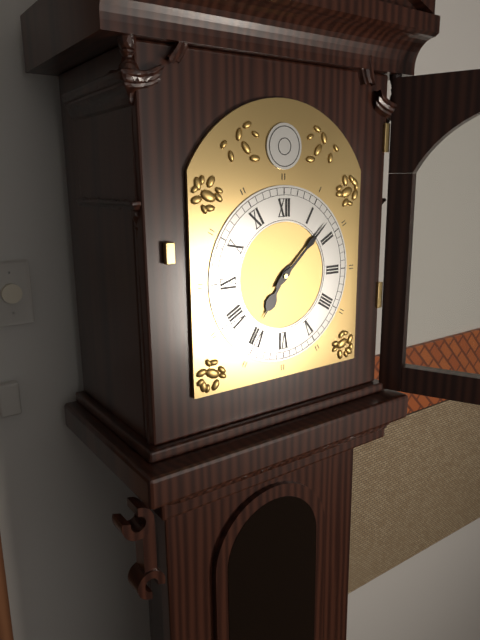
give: {"hour": 7, "minute": 8}
